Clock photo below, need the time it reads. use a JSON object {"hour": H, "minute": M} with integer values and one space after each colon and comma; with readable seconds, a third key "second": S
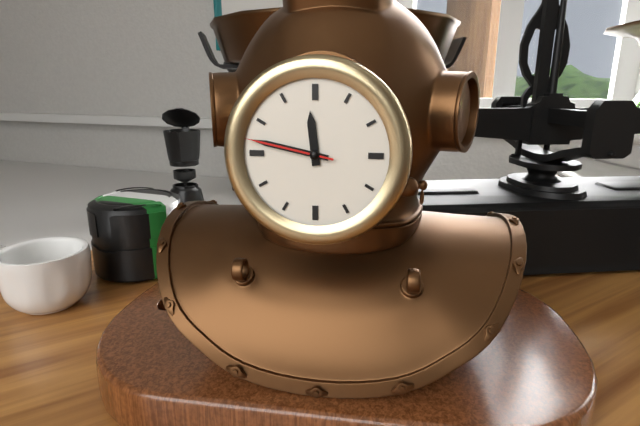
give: {"hour": 11, "minute": 47, "second": 47}
